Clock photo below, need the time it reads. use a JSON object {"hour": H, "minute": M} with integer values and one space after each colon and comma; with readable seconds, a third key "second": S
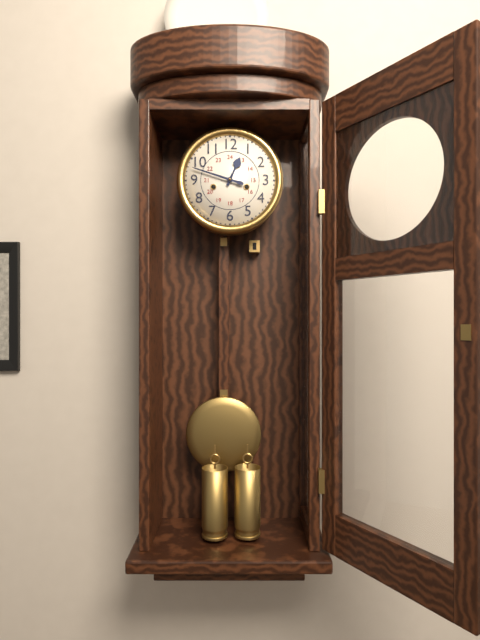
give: {"hour": 12, "minute": 48}
